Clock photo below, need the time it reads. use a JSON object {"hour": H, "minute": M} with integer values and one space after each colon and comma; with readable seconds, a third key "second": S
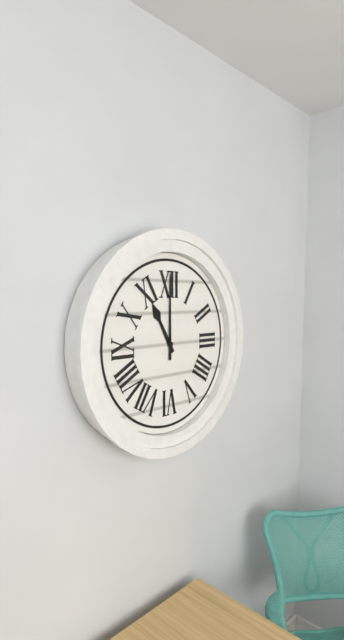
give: {"hour": 11, "minute": 0}
